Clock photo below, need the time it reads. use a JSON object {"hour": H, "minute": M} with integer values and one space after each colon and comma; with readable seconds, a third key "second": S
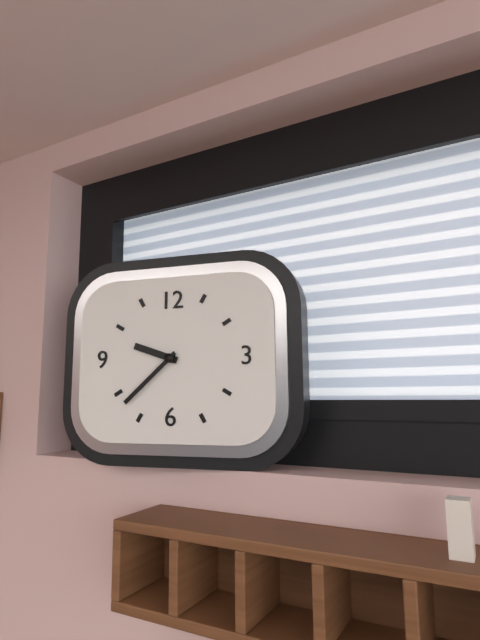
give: {"hour": 9, "minute": 38}
